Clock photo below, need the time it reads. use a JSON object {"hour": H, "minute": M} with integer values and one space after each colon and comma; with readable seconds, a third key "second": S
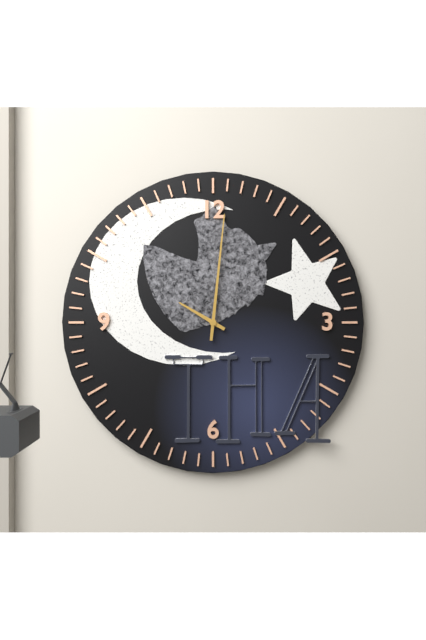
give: {"hour": 10, "minute": 1}
